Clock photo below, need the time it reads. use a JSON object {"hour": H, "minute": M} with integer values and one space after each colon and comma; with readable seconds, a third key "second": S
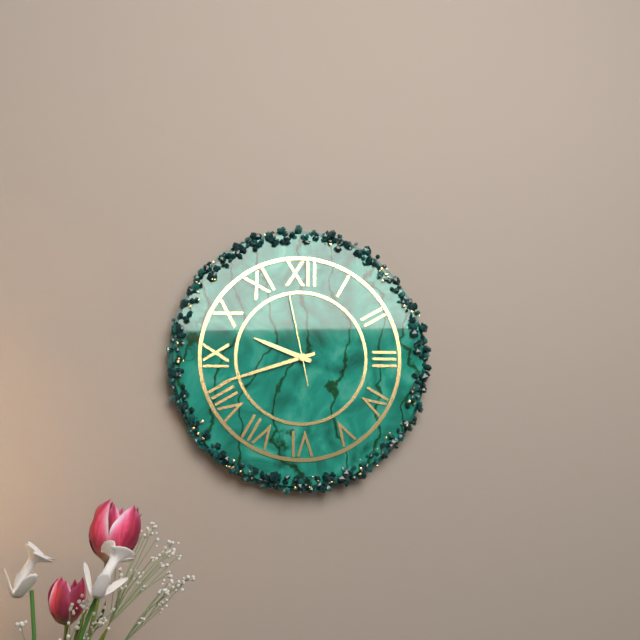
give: {"hour": 9, "minute": 42, "second": 58}
